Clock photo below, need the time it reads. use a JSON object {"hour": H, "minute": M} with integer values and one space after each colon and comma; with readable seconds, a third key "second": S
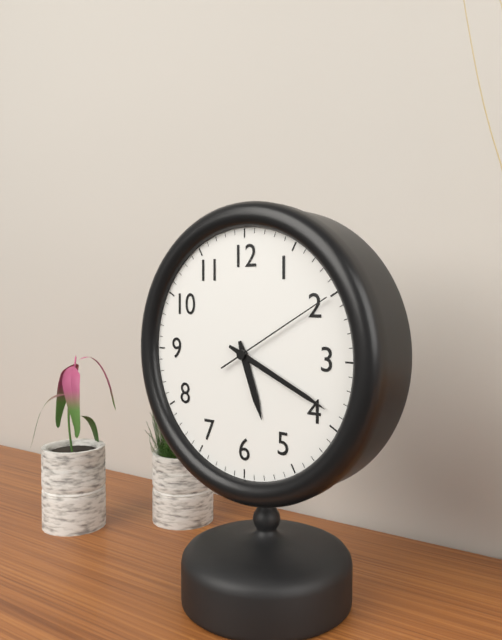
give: {"hour": 5, "minute": 19, "second": 10}
